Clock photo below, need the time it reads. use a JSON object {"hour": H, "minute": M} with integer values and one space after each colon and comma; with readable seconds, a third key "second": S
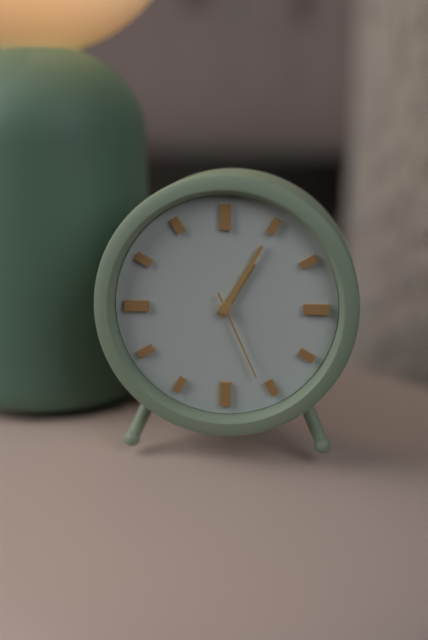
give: {"hour": 1, "minute": 5, "second": 26}
